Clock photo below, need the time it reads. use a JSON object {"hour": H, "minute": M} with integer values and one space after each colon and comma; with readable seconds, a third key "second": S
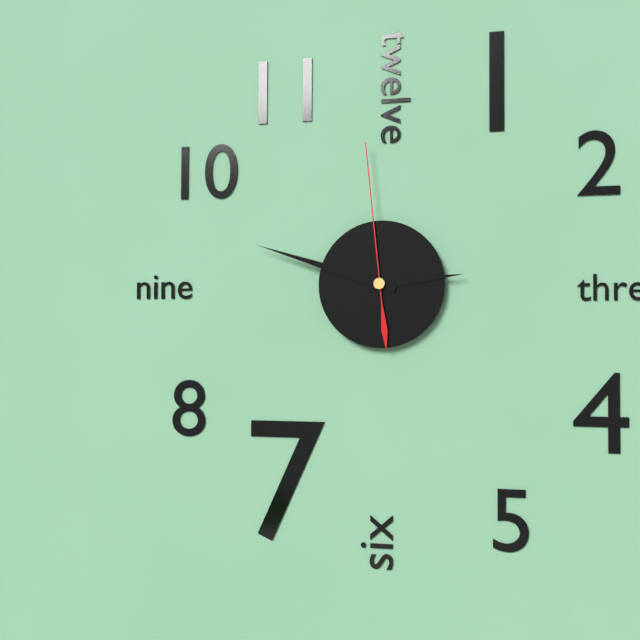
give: {"hour": 2, "minute": 48, "second": 59}
